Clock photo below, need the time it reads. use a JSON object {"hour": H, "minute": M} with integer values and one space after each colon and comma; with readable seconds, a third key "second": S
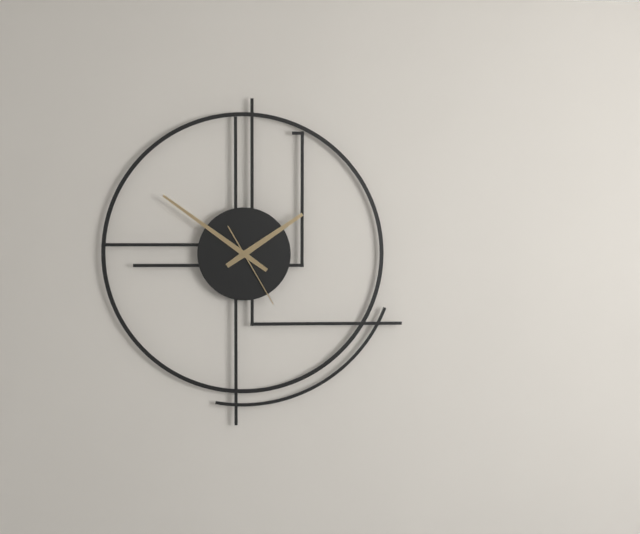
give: {"hour": 1, "minute": 51, "second": 25}
